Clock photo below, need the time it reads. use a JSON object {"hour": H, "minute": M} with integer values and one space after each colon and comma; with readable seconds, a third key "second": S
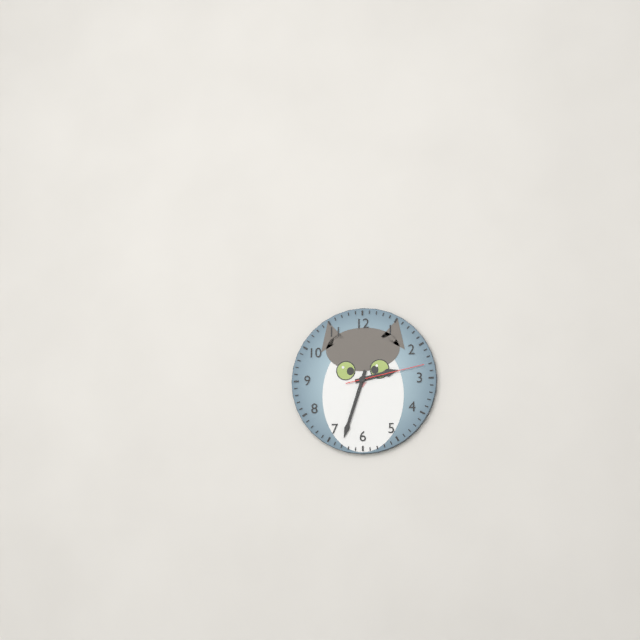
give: {"hour": 2, "minute": 33, "second": 13}
